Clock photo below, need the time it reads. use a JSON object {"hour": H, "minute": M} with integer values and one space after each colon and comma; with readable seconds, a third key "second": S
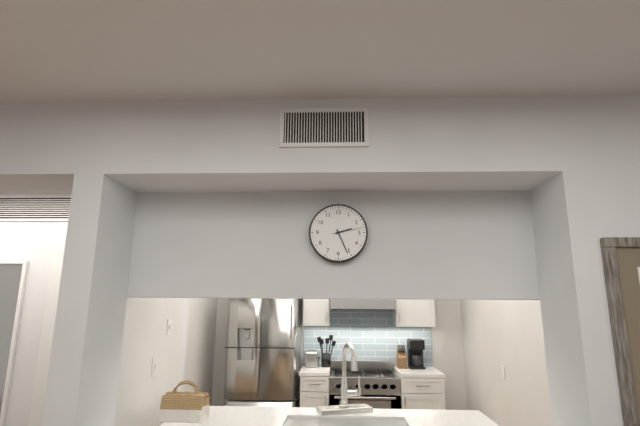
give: {"hour": 2, "minute": 26}
